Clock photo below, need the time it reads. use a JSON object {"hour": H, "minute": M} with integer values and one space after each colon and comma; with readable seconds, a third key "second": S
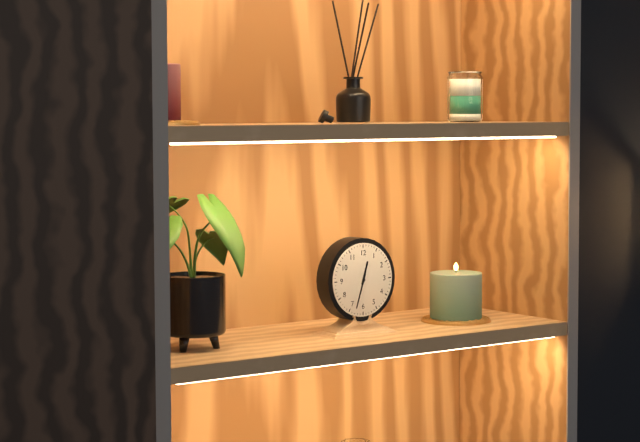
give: {"hour": 12, "minute": 33}
